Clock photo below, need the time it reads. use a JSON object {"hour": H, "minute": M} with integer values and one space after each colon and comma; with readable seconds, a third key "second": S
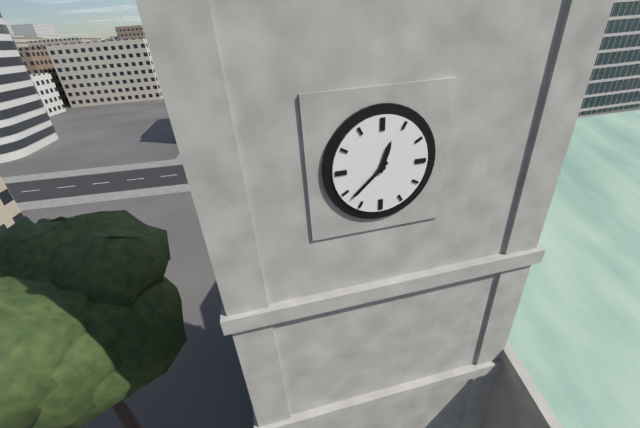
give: {"hour": 12, "minute": 38}
